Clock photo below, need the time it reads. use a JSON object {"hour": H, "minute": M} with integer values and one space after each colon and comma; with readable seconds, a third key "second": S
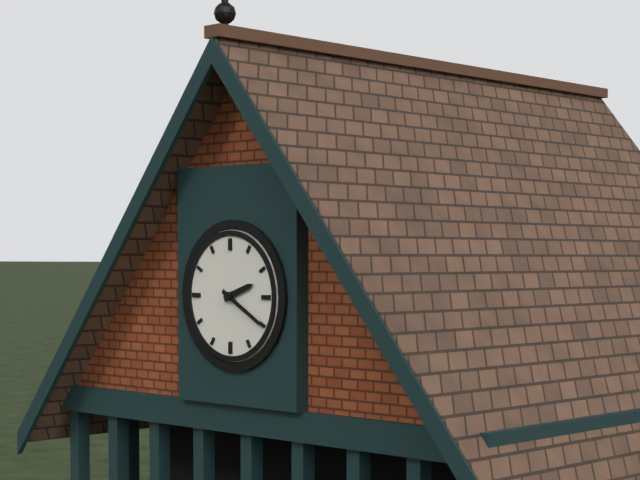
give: {"hour": 2, "minute": 20}
